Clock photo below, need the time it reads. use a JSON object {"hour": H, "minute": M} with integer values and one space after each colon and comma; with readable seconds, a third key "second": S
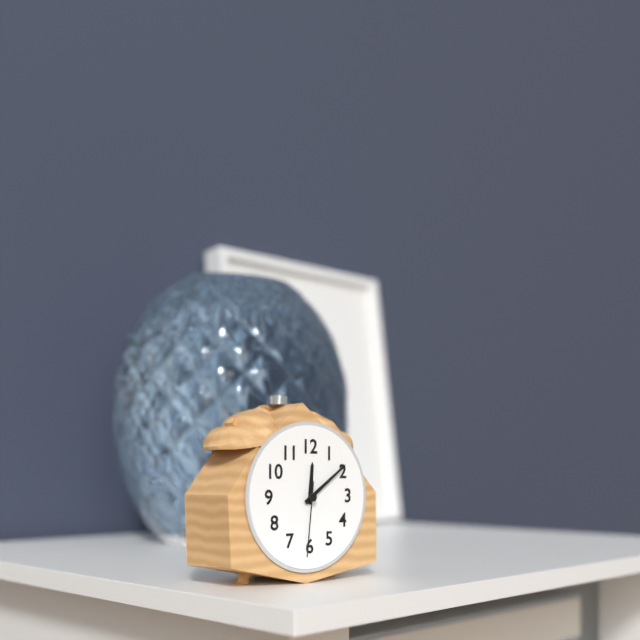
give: {"hour": 12, "minute": 9, "second": 31}
